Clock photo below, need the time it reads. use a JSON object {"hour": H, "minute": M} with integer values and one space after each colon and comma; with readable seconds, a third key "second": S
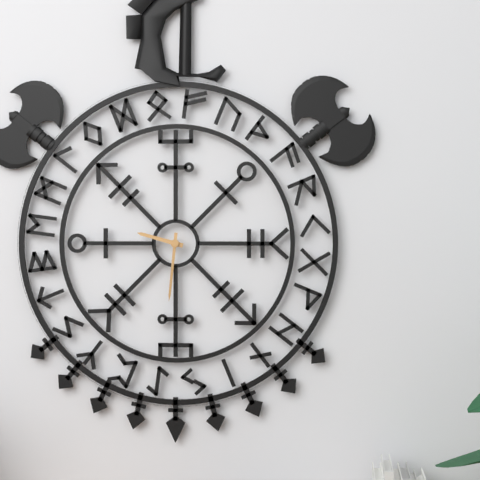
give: {"hour": 9, "minute": 31}
